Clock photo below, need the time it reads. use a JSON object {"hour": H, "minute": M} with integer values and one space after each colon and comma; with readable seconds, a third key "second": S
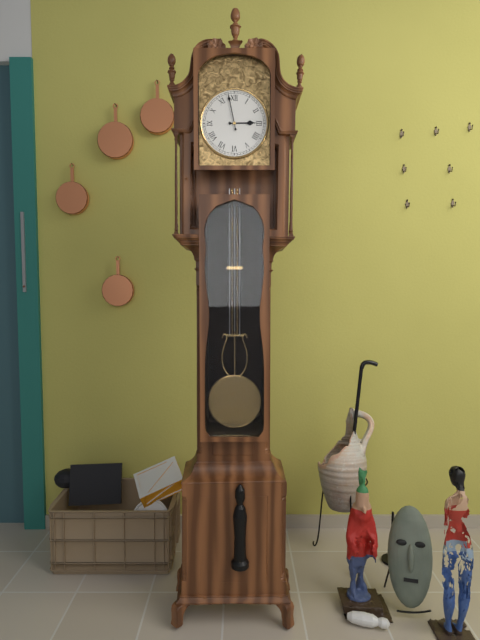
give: {"hour": 2, "minute": 58}
